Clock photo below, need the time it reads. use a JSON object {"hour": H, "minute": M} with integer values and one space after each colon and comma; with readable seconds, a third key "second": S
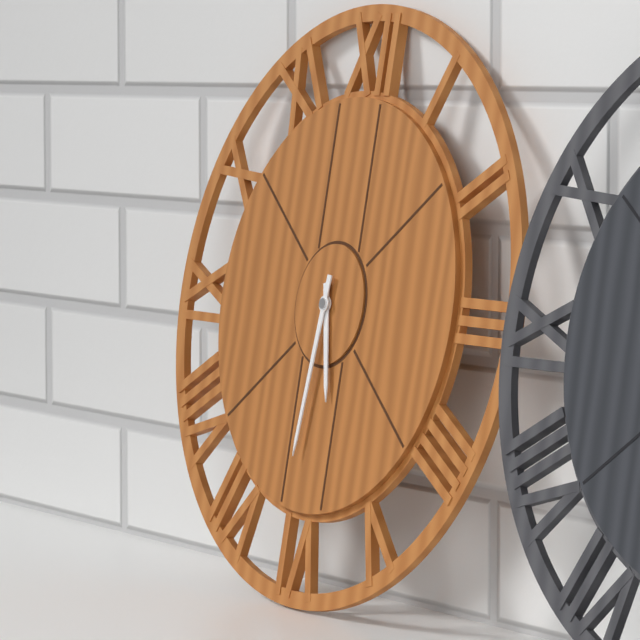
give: {"hour": 5, "minute": 31}
